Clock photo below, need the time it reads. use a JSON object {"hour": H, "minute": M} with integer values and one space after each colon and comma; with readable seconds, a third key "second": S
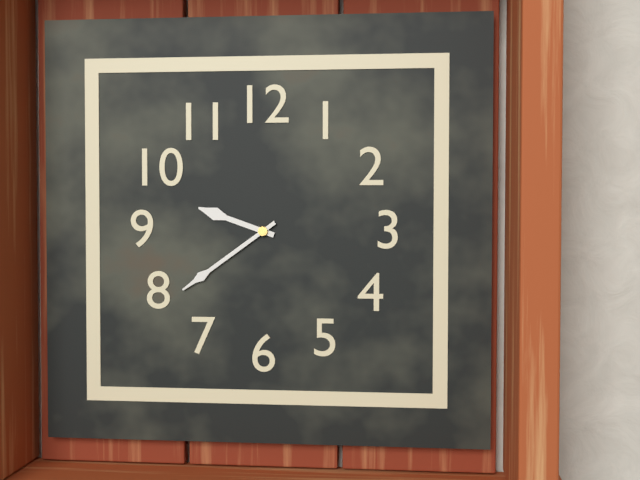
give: {"hour": 9, "minute": 39}
